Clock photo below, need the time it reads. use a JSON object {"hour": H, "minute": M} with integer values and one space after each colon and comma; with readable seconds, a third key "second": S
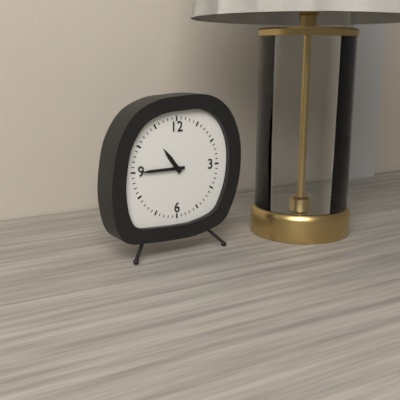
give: {"hour": 10, "minute": 45}
